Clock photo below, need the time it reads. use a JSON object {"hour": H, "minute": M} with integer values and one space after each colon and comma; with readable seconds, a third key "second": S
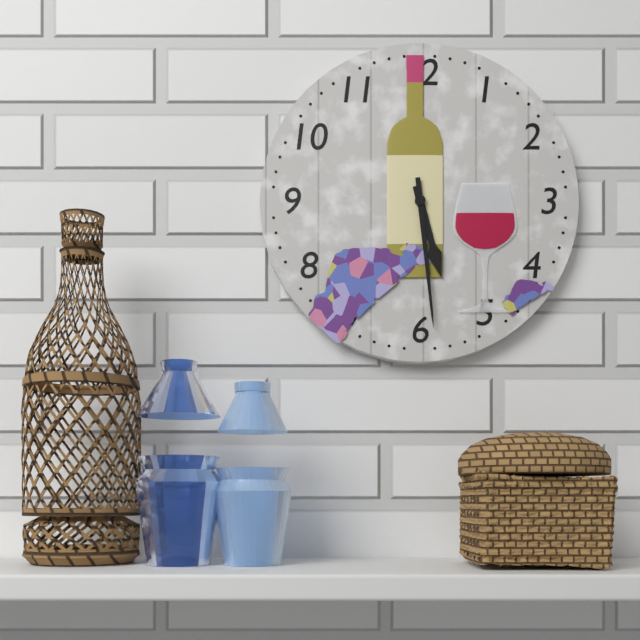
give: {"hour": 5, "minute": 29}
